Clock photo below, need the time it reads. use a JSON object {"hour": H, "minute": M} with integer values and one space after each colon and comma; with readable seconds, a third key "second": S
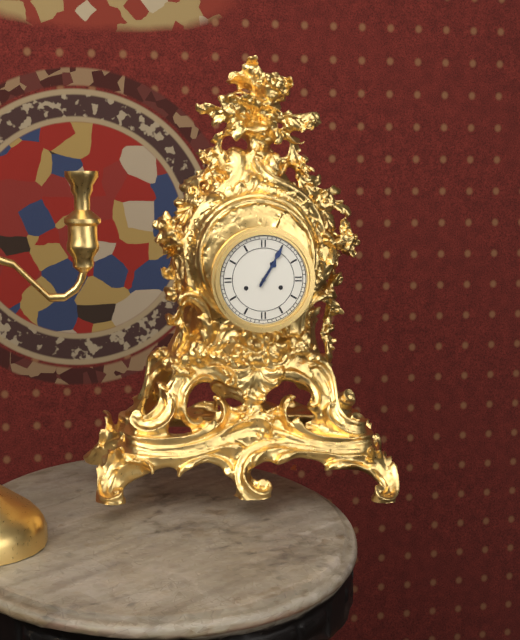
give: {"hour": 1, "minute": 5}
